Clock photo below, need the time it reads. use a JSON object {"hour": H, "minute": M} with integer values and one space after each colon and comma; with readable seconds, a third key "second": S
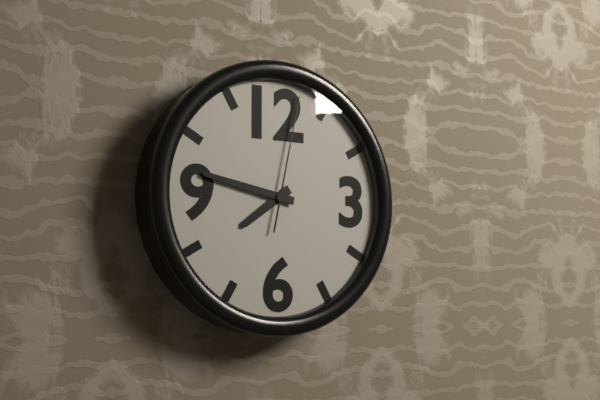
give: {"hour": 7, "minute": 47, "second": 2}
